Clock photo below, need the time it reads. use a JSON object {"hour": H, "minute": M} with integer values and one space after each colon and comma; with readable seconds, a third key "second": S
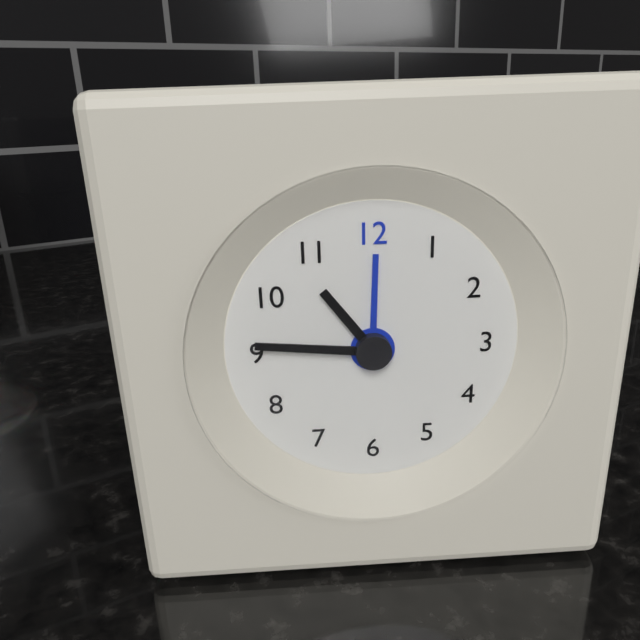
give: {"hour": 10, "minute": 46}
